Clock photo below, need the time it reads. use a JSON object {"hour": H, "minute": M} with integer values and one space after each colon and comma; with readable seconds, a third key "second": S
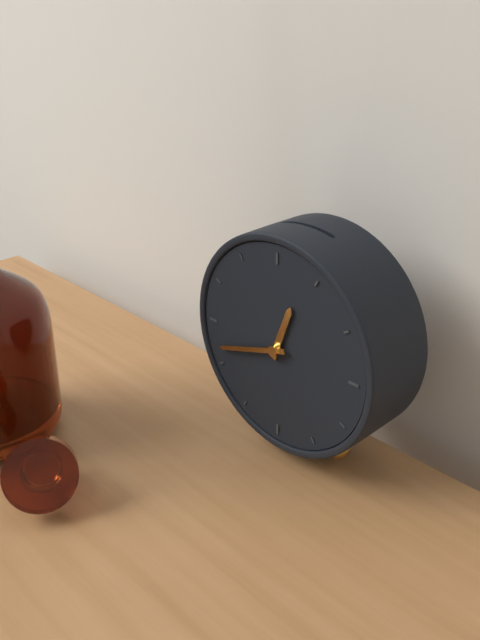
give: {"hour": 12, "minute": 42}
